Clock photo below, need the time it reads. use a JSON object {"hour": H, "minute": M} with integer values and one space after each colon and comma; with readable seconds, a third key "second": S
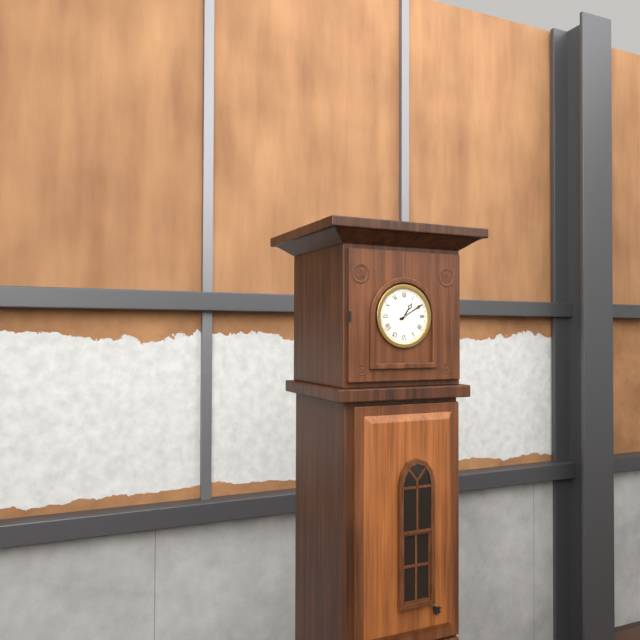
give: {"hour": 1, "minute": 10}
